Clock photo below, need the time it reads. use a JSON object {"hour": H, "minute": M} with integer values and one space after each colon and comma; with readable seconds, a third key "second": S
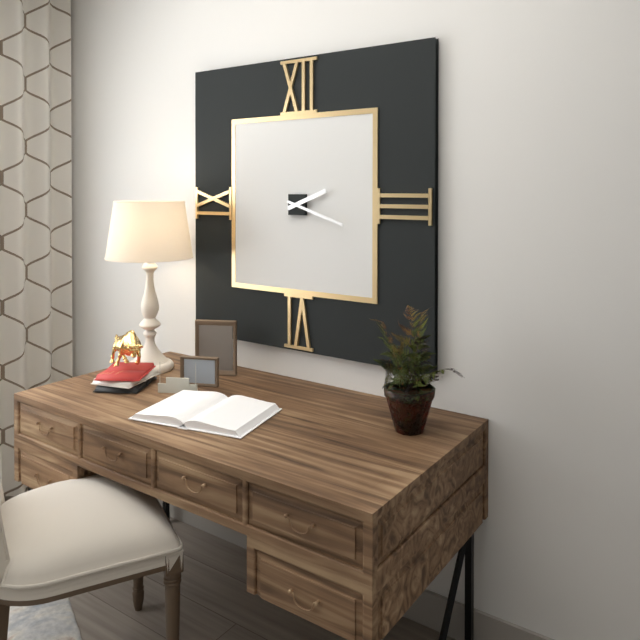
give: {"hour": 2, "minute": 18}
